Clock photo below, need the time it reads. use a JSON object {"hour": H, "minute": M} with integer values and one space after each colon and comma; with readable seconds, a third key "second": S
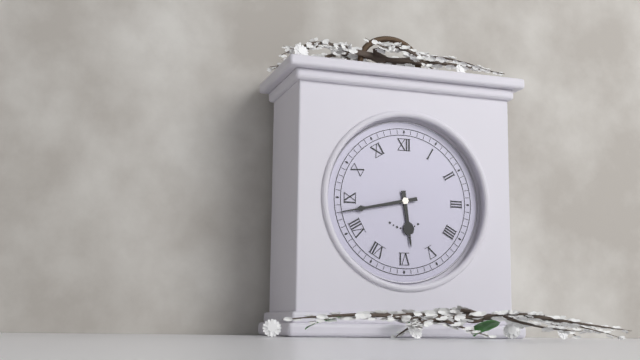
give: {"hour": 5, "minute": 43}
